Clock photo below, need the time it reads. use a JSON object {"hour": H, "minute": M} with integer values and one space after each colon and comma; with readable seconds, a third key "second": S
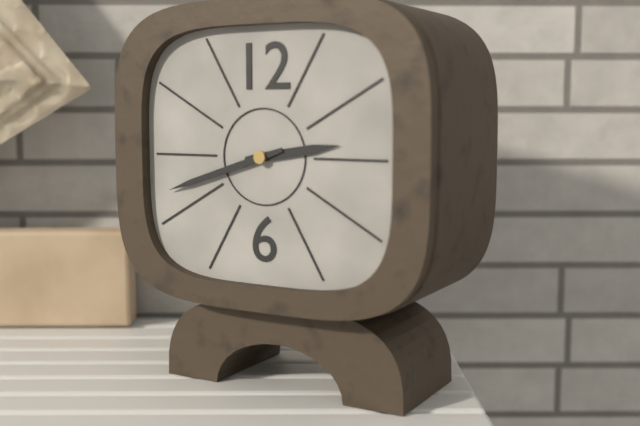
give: {"hour": 2, "minute": 42}
